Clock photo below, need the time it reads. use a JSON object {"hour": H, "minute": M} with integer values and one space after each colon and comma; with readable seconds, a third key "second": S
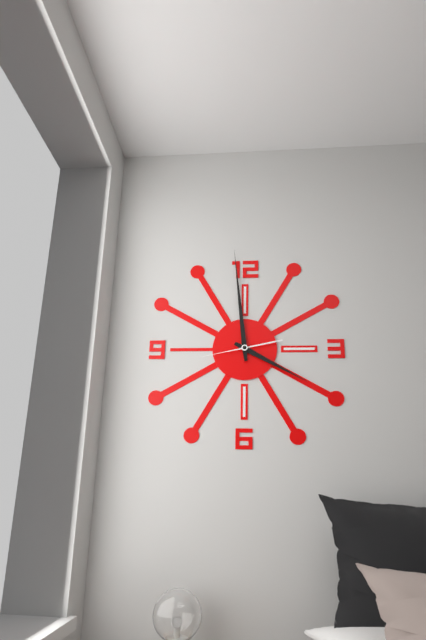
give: {"hour": 3, "minute": 59, "second": 43}
